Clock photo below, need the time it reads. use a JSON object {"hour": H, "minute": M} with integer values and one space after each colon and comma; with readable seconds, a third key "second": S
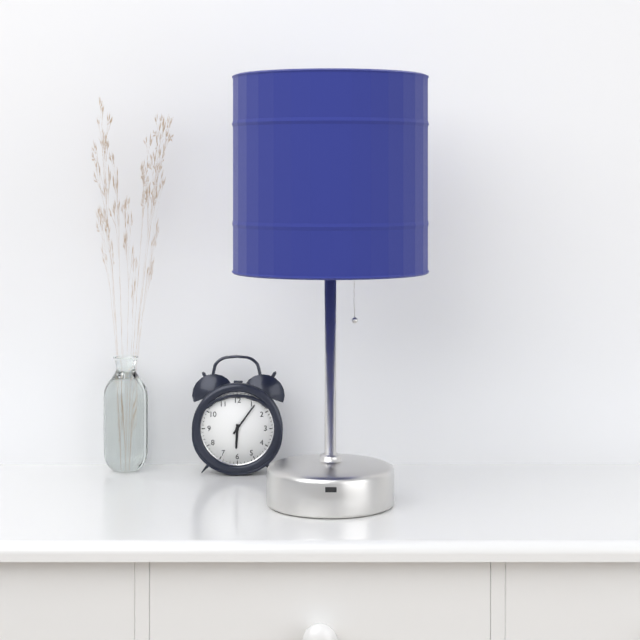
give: {"hour": 6, "minute": 6}
